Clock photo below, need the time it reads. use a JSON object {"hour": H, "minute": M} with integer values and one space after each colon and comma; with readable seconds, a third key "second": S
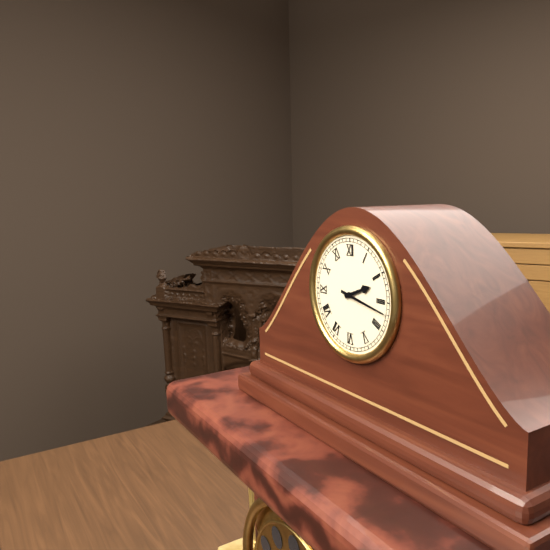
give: {"hour": 2, "minute": 17}
